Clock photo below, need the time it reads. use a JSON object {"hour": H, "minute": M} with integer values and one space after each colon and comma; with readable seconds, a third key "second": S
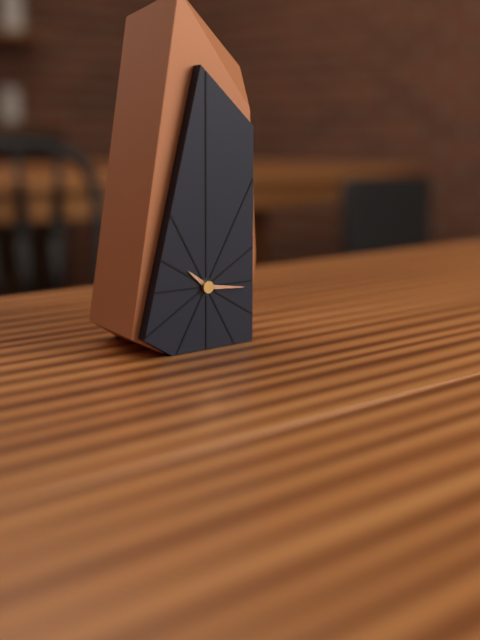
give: {"hour": 10, "minute": 16}
